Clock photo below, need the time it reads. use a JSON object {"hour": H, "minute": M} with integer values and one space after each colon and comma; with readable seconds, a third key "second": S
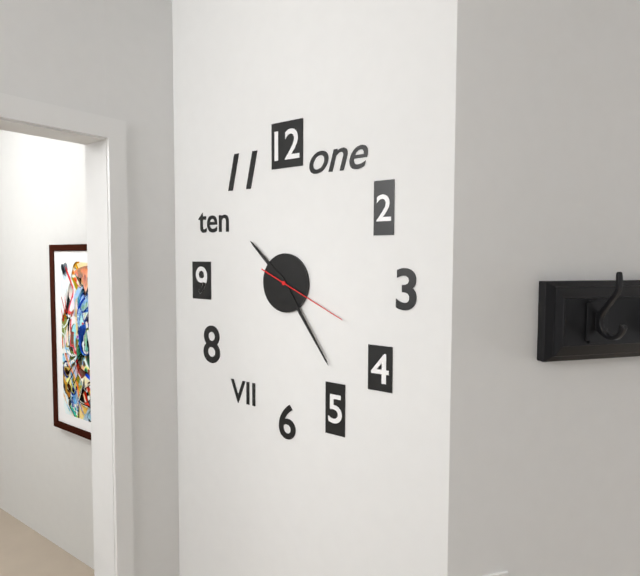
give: {"hour": 10, "minute": 24, "second": 19}
